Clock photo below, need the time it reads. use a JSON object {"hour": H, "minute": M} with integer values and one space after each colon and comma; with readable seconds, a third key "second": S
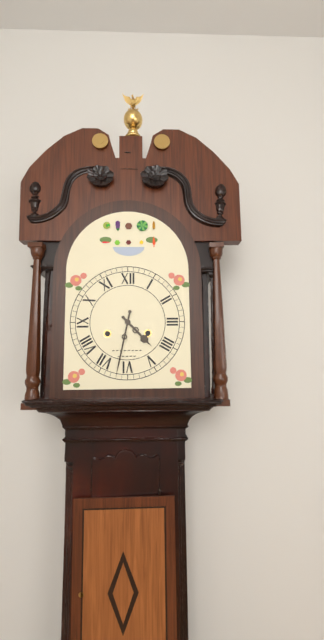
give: {"hour": 4, "minute": 32}
